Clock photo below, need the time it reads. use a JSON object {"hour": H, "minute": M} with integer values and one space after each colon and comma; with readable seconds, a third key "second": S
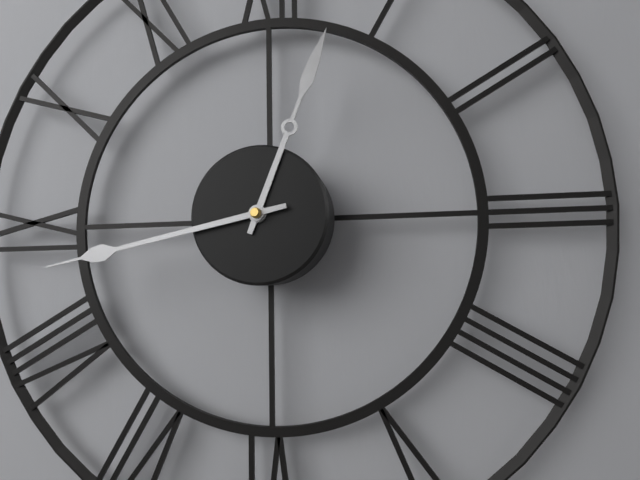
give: {"hour": 12, "minute": 43}
